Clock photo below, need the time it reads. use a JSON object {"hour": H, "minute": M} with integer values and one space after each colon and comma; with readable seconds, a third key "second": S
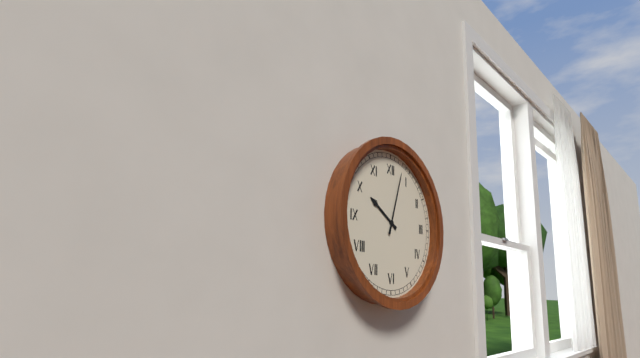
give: {"hour": 10, "minute": 3}
